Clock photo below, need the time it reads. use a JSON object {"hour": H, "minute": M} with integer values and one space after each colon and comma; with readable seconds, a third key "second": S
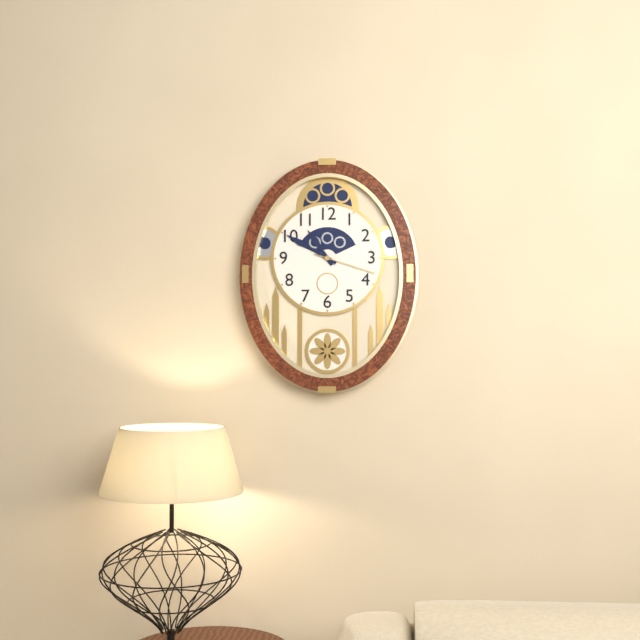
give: {"hour": 10, "minute": 50, "second": 18}
